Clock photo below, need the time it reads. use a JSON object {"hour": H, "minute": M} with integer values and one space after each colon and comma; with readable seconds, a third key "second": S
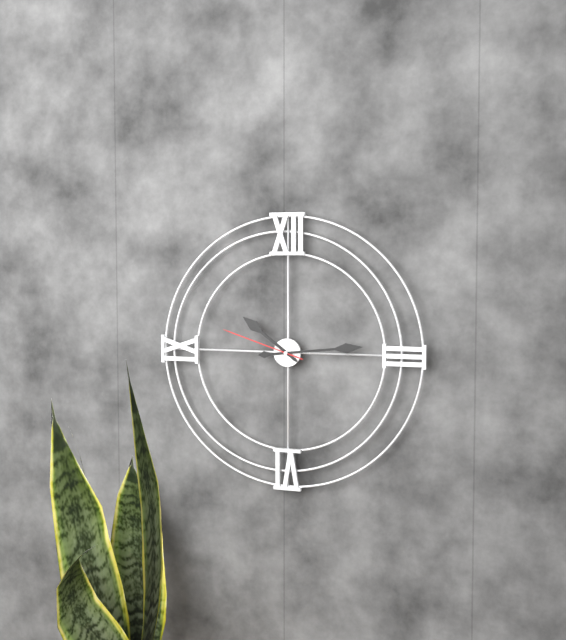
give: {"hour": 10, "minute": 14, "second": 48}
